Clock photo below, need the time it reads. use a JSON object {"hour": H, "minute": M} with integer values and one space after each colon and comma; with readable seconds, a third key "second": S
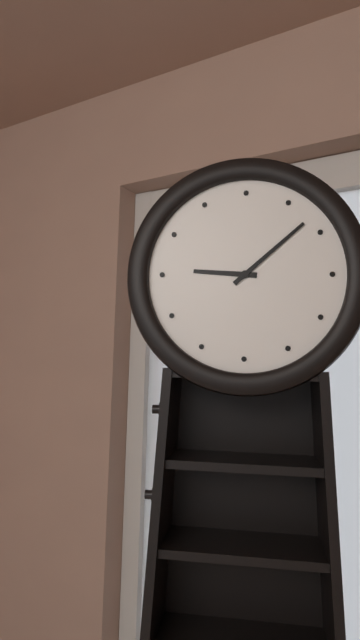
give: {"hour": 9, "minute": 8}
